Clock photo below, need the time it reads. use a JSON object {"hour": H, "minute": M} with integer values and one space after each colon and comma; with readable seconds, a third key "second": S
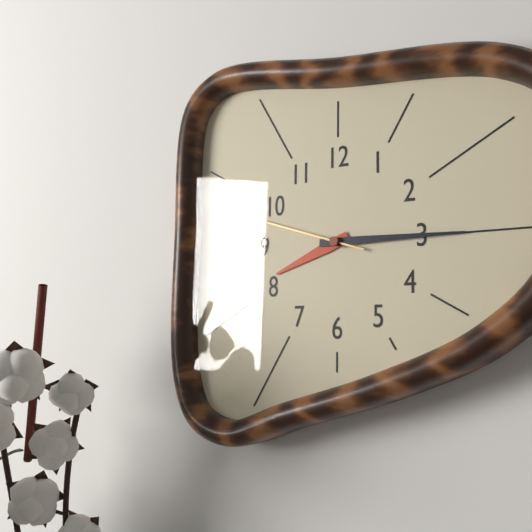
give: {"hour": 8, "minute": 15, "second": 48}
